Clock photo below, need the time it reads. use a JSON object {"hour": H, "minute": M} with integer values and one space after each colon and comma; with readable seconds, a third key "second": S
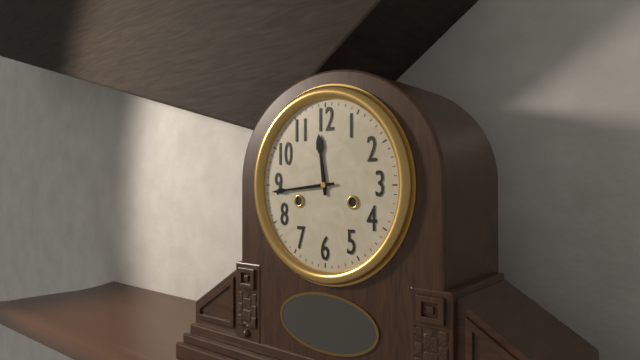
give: {"hour": 11, "minute": 44}
